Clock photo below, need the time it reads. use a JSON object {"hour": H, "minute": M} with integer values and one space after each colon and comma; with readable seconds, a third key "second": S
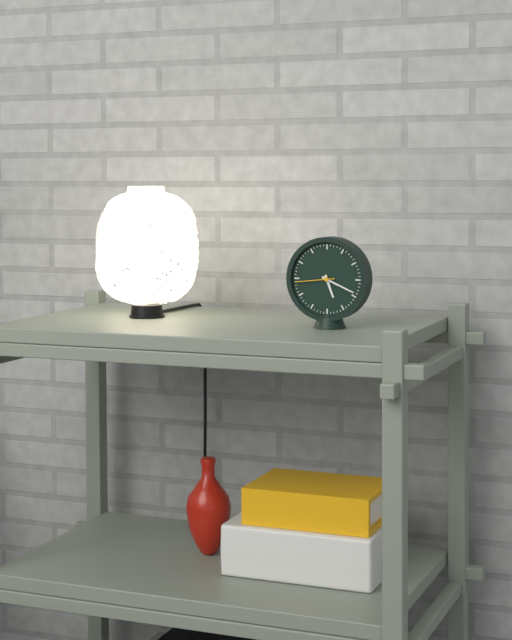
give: {"hour": 5, "minute": 19}
